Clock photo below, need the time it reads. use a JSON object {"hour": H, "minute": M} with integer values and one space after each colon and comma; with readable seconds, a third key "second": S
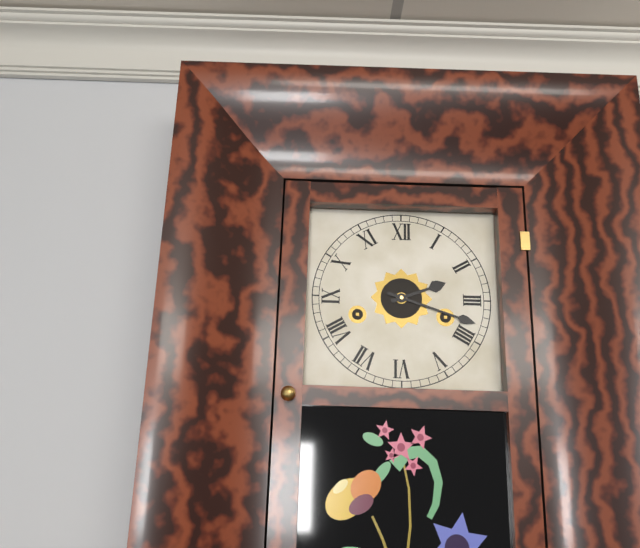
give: {"hour": 2, "minute": 18}
